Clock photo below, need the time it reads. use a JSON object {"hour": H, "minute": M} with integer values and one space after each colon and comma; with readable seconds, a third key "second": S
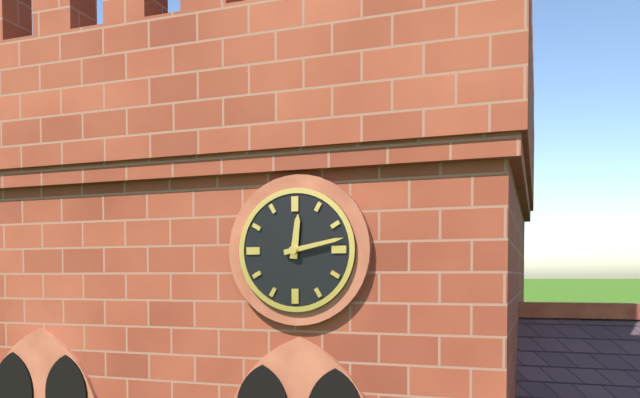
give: {"hour": 12, "minute": 13}
